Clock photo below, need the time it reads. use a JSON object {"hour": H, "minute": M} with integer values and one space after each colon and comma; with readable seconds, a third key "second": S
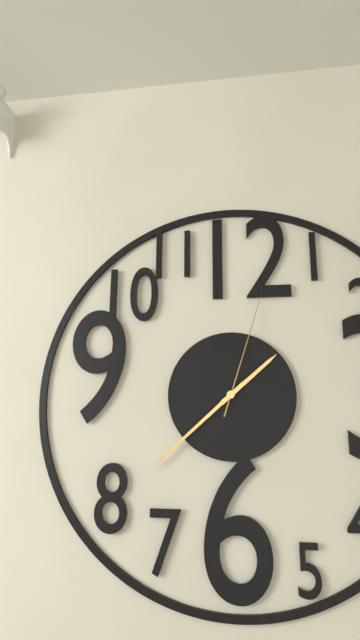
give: {"hour": 1, "minute": 38, "second": 3}
